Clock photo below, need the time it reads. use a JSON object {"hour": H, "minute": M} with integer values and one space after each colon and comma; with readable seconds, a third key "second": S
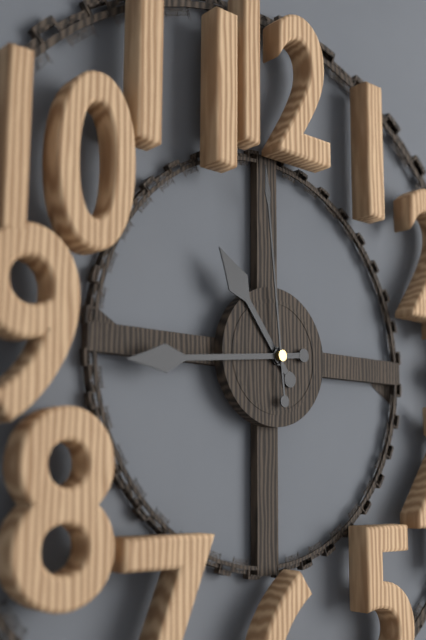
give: {"hour": 10, "minute": 44, "second": 59}
